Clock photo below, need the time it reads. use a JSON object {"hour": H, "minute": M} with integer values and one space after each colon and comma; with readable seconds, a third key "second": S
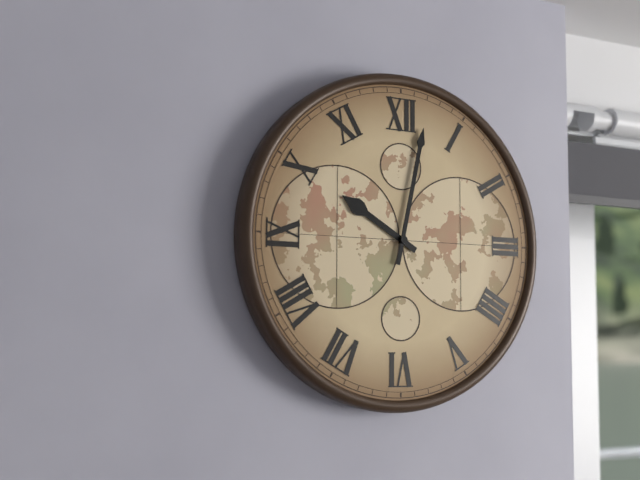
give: {"hour": 10, "minute": 2}
